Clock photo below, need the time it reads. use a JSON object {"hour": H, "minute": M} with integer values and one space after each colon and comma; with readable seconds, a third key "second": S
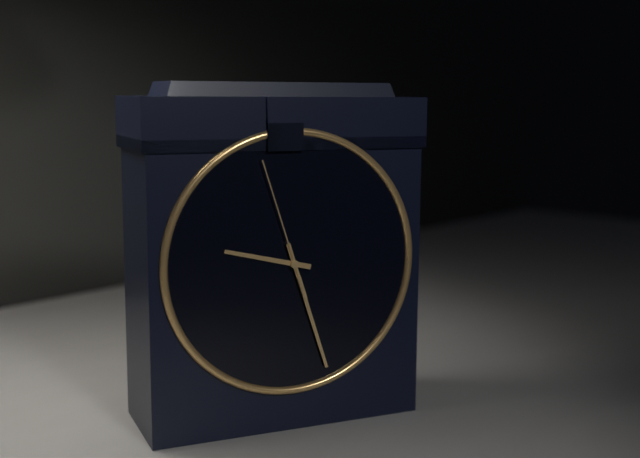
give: {"hour": 9, "minute": 27, "second": 57}
